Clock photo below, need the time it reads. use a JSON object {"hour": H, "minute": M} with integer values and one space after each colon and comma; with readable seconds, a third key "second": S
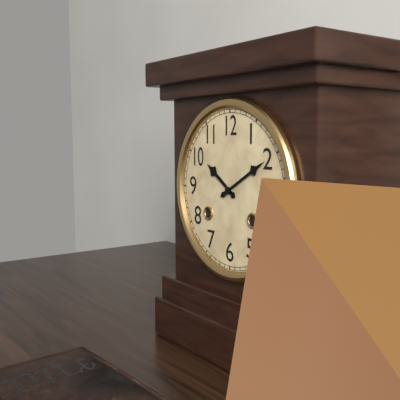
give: {"hour": 10, "minute": 10}
